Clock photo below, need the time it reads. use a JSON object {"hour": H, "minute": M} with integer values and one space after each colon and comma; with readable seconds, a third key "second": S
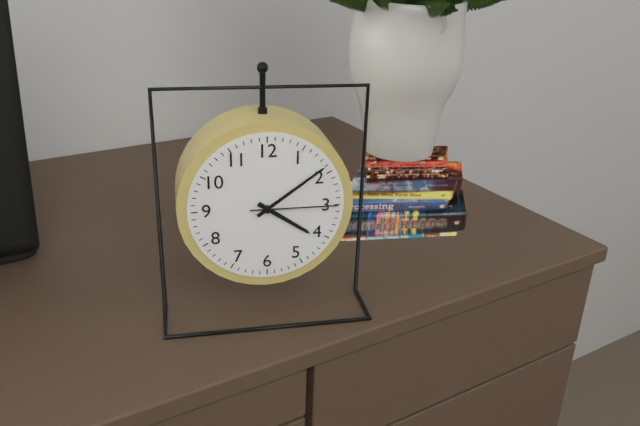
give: {"hour": 4, "minute": 9, "second": 15}
